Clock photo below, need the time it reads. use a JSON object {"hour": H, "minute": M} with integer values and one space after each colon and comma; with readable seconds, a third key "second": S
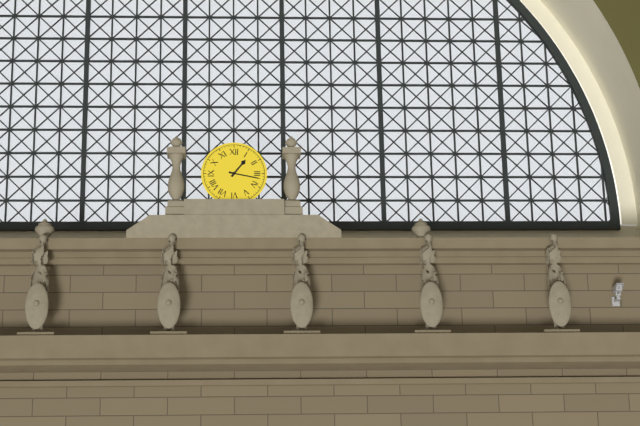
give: {"hour": 1, "minute": 17}
